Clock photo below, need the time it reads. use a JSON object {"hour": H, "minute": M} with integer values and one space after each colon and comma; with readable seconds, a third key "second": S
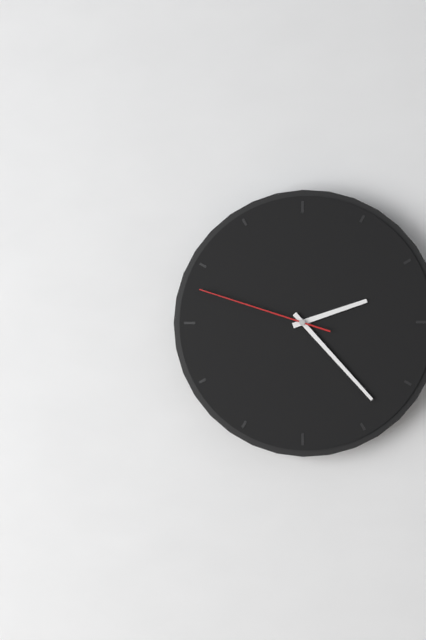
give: {"hour": 2, "minute": 23, "second": 48}
